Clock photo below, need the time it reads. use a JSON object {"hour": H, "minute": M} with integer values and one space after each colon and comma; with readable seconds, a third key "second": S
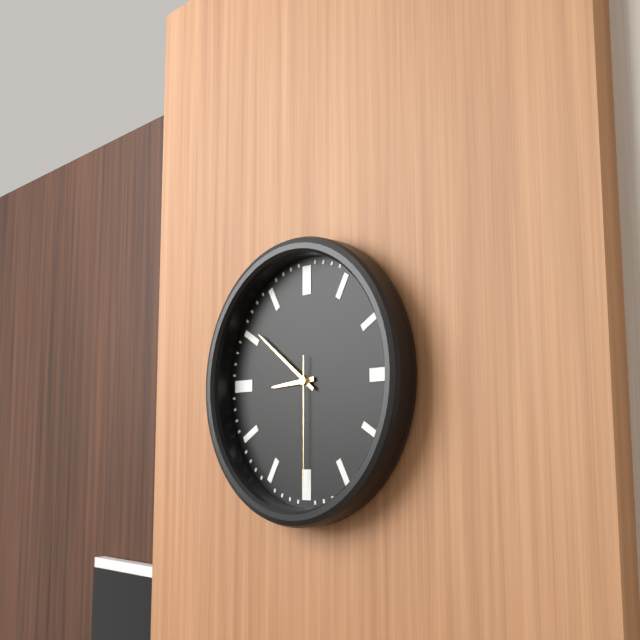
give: {"hour": 8, "minute": 51, "second": 30}
